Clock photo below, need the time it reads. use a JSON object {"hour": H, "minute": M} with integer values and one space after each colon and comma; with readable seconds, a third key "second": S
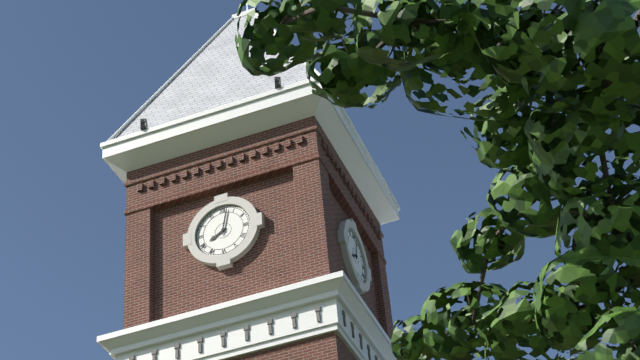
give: {"hour": 8, "minute": 2}
